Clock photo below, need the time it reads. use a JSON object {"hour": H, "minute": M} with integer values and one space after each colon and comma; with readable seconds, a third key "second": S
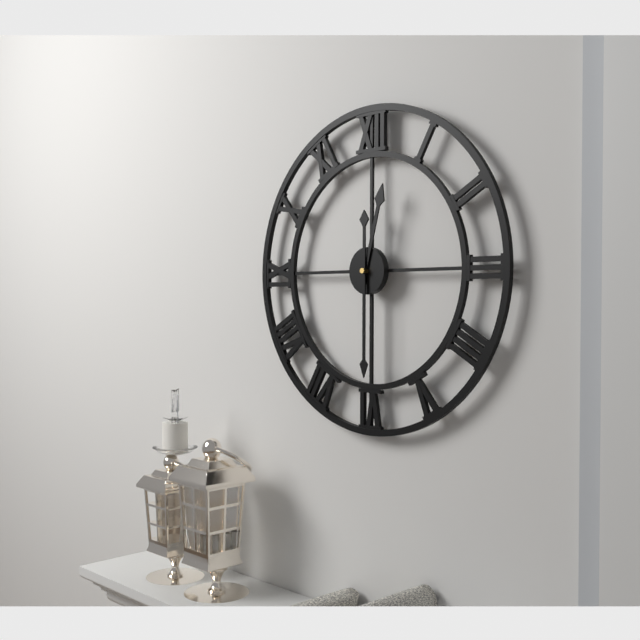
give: {"hour": 12, "minute": 30}
